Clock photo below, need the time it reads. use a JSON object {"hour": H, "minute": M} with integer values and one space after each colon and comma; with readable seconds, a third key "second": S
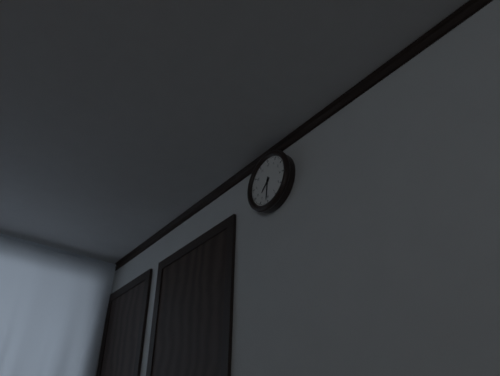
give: {"hour": 7, "minute": 31}
